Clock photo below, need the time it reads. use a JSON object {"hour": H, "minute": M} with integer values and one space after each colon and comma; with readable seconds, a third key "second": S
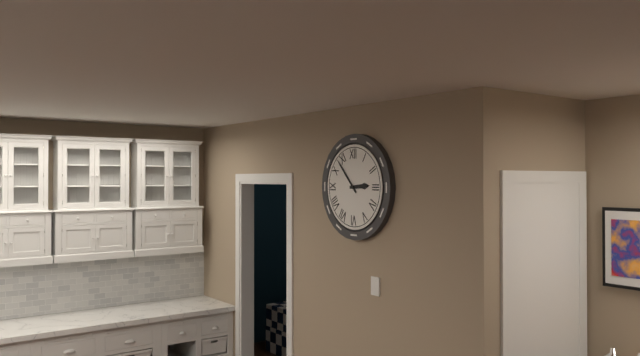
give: {"hour": 2, "minute": 53}
